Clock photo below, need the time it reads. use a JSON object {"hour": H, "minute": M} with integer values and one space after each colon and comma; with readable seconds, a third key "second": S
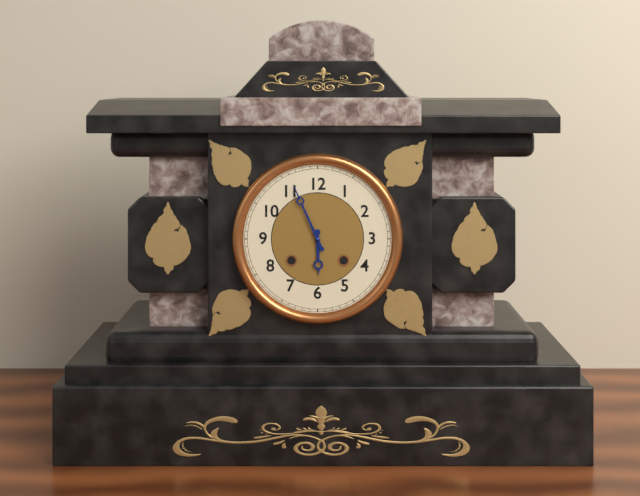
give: {"hour": 5, "minute": 56}
